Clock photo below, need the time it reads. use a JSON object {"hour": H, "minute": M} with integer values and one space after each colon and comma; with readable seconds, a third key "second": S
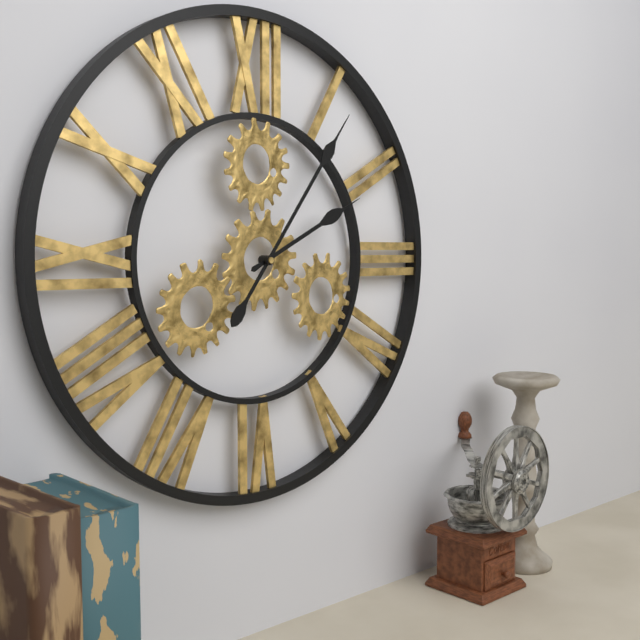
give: {"hour": 2, "minute": 6}
